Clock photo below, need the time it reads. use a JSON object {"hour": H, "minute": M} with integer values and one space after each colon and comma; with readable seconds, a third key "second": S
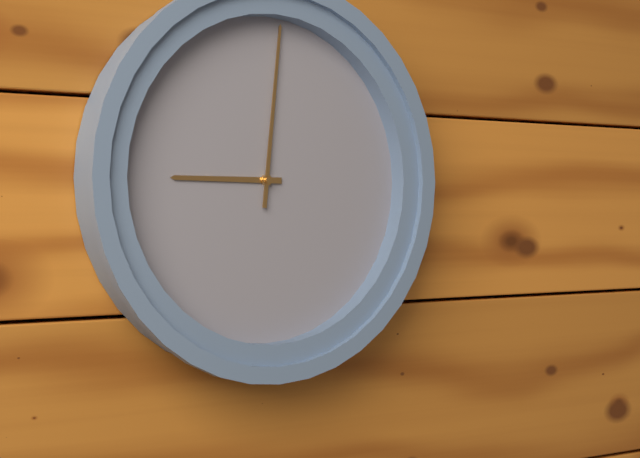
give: {"hour": 9, "minute": 1}
